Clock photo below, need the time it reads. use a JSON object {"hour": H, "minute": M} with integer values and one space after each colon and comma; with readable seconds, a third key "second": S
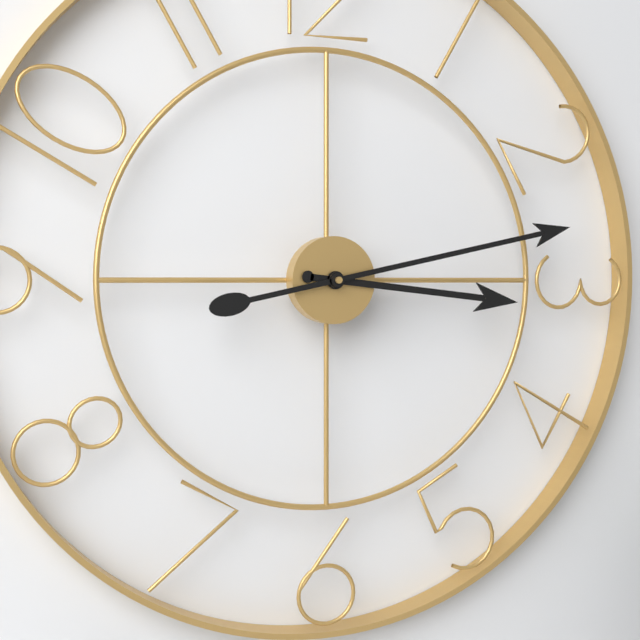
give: {"hour": 3, "minute": 13}
